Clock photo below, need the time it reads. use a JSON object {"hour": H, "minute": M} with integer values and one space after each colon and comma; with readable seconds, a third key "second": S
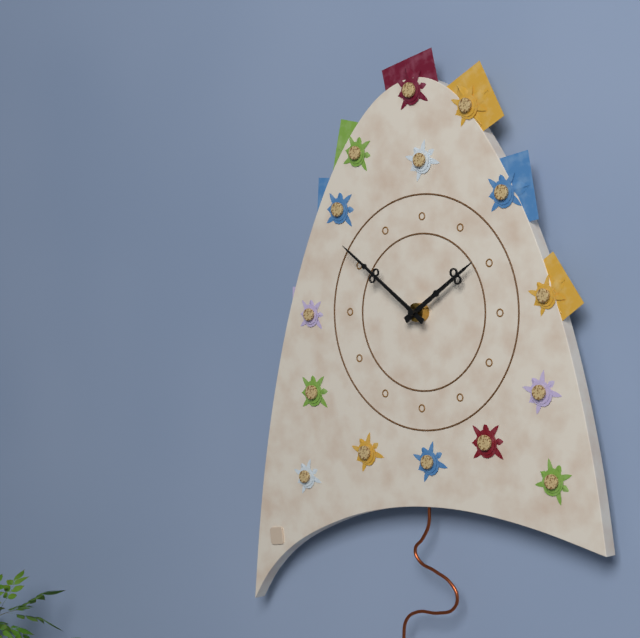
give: {"hour": 1, "minute": 51}
